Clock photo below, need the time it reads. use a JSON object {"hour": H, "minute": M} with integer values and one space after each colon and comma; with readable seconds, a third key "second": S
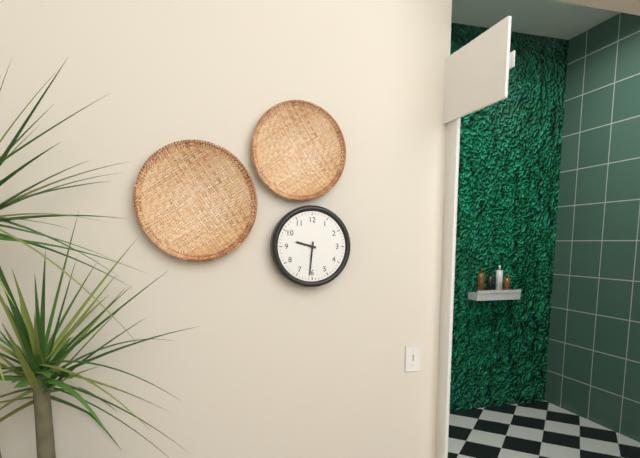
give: {"hour": 9, "minute": 31}
